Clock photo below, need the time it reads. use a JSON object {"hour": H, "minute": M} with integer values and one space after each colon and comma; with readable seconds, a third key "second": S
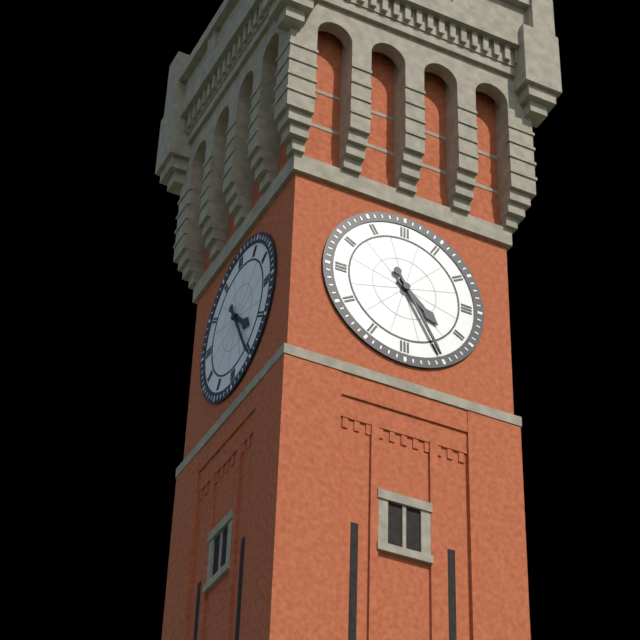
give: {"hour": 4, "minute": 25}
